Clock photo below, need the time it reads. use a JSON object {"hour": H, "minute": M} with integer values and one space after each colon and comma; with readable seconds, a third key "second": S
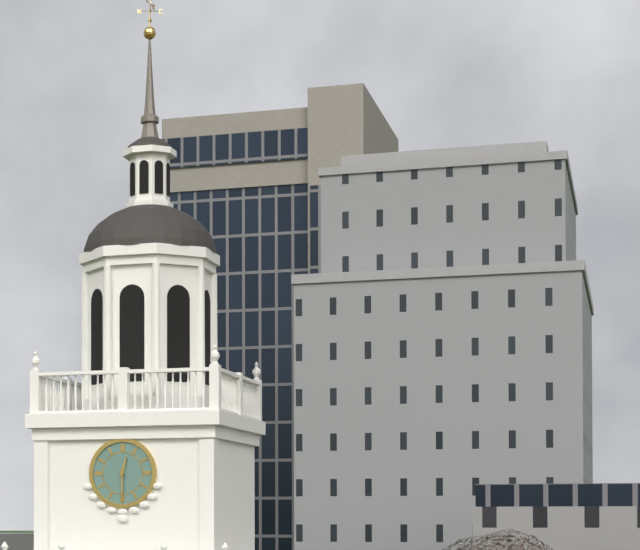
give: {"hour": 12, "minute": 30}
